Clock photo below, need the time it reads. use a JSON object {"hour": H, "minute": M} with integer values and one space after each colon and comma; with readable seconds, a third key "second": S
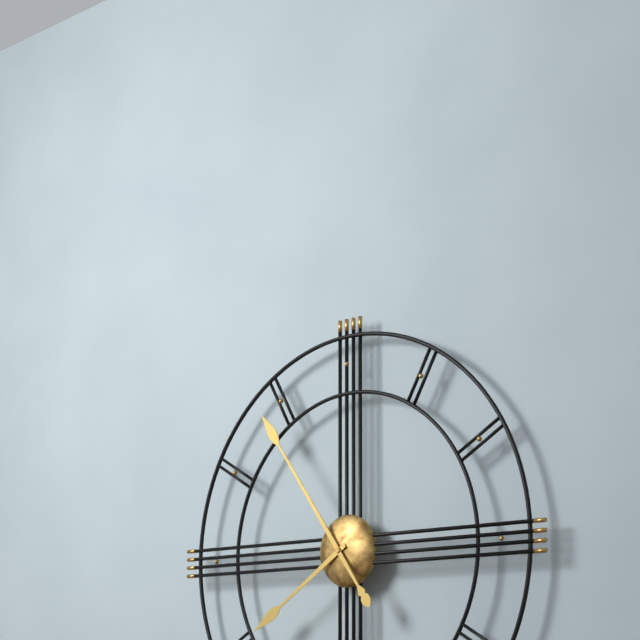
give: {"hour": 7, "minute": 54}
